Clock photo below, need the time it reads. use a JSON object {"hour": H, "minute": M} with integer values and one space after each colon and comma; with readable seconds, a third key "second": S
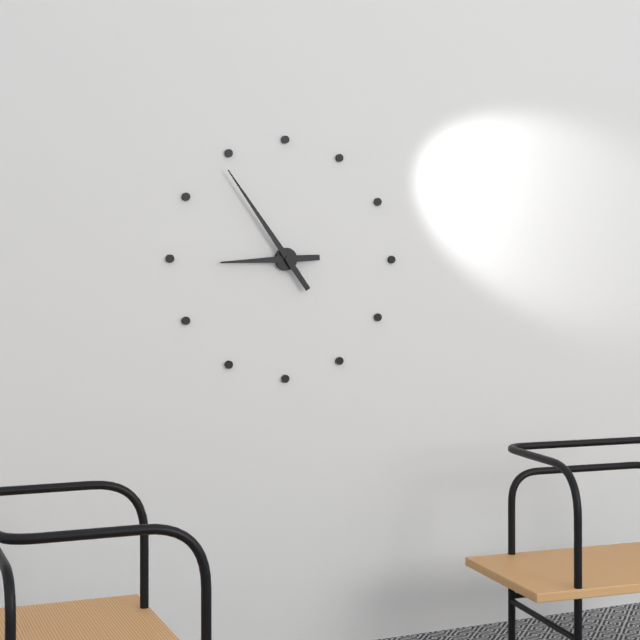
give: {"hour": 8, "minute": 54}
